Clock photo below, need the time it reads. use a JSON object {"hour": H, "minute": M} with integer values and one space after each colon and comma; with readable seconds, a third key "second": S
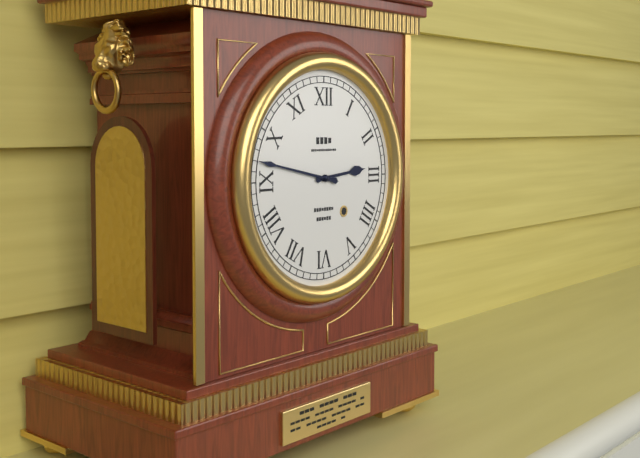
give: {"hour": 2, "minute": 47}
